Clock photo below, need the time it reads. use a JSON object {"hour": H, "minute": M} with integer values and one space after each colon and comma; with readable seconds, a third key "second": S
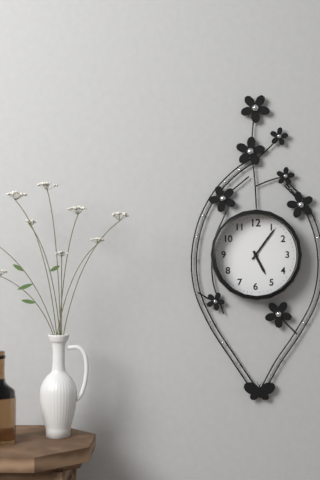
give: {"hour": 5, "minute": 6}
